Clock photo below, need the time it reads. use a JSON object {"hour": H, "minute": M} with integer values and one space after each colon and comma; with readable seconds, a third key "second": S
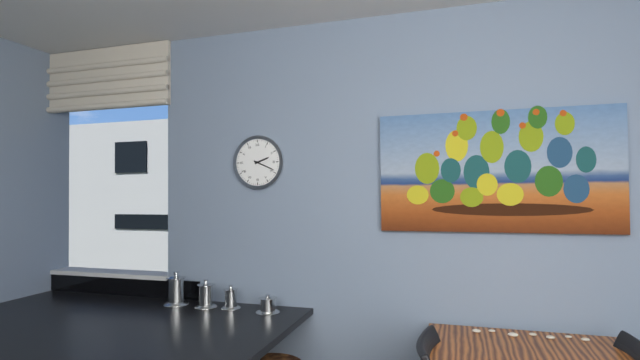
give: {"hour": 2, "minute": 19}
